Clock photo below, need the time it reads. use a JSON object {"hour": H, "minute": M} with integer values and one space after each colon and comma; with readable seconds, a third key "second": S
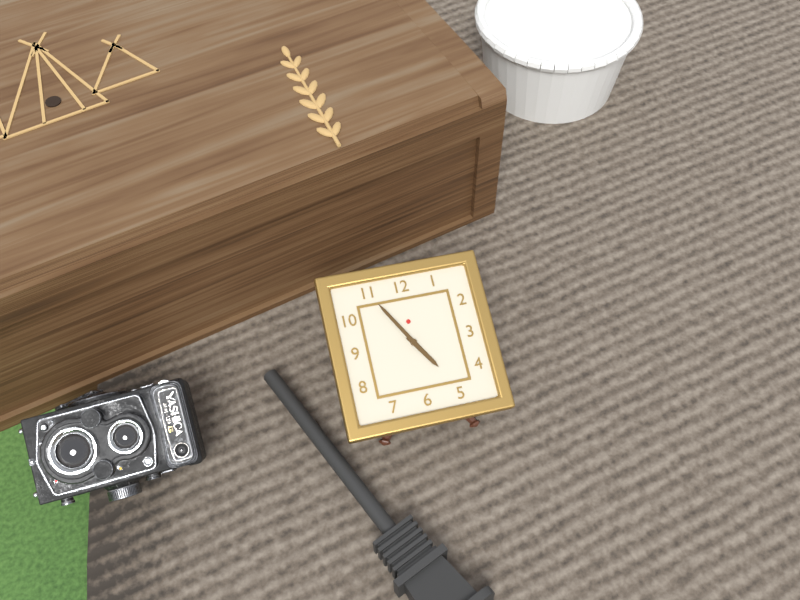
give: {"hour": 4, "minute": 55}
